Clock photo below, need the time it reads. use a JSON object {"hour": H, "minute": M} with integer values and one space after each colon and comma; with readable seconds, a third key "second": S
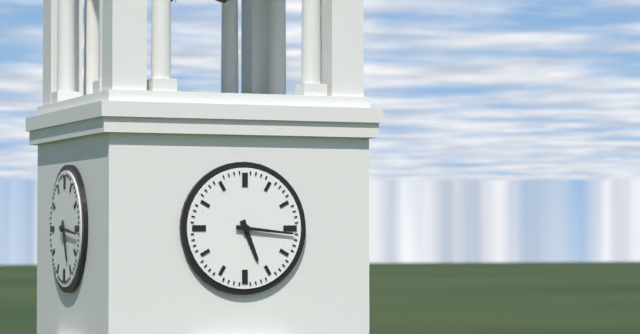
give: {"hour": 5, "minute": 16}
